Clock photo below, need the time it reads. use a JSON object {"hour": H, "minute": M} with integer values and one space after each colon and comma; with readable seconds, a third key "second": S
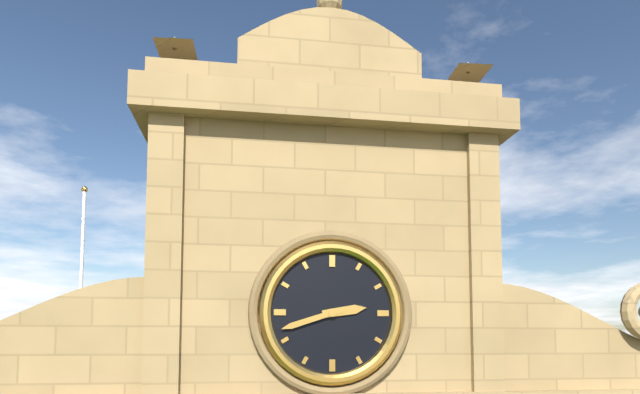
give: {"hour": 2, "minute": 42}
